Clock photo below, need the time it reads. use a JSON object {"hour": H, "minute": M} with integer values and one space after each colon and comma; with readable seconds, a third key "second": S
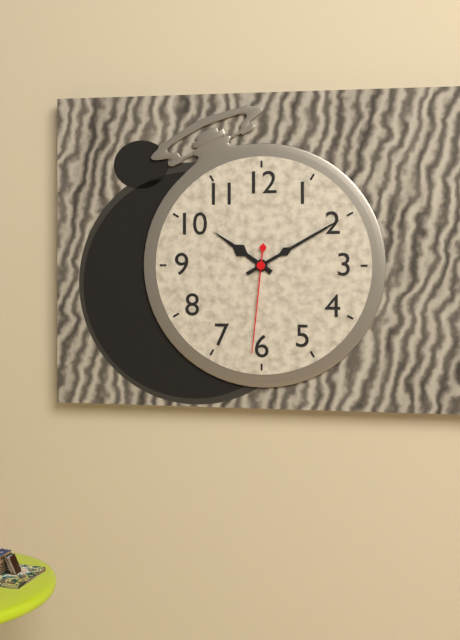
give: {"hour": 10, "minute": 10, "second": 31}
